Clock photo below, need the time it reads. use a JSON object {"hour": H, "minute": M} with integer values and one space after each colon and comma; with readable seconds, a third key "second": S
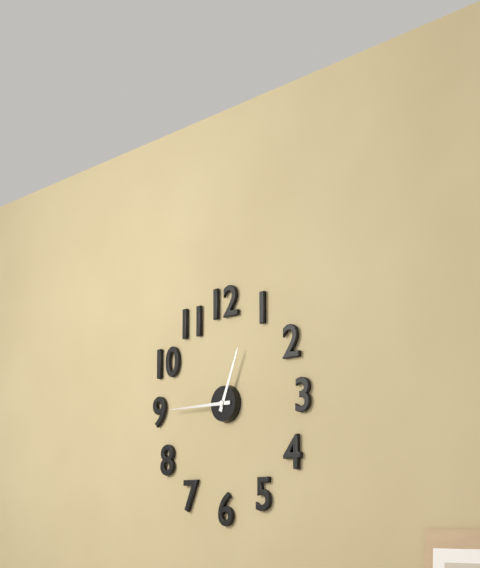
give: {"hour": 12, "minute": 45}
